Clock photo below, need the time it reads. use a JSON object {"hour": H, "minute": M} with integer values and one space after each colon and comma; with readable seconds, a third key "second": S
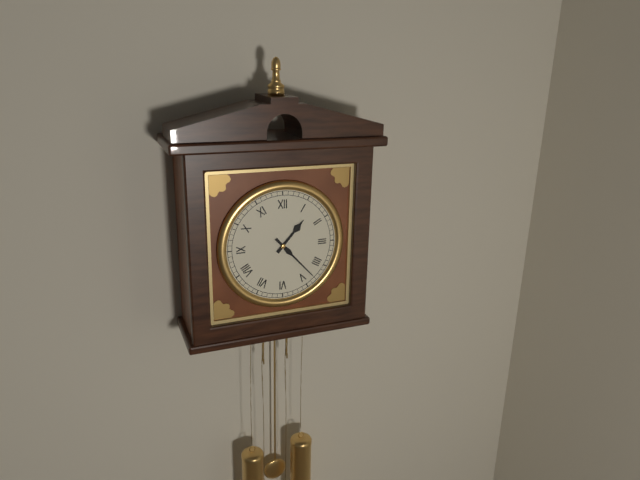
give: {"hour": 1, "minute": 23}
